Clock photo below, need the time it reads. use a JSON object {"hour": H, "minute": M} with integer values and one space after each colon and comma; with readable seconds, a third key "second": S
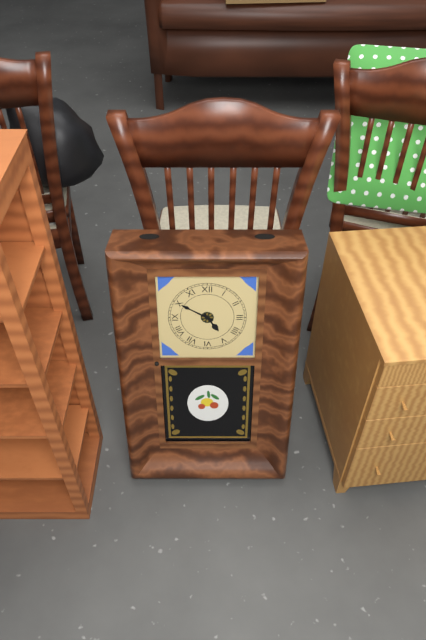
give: {"hour": 4, "minute": 50}
